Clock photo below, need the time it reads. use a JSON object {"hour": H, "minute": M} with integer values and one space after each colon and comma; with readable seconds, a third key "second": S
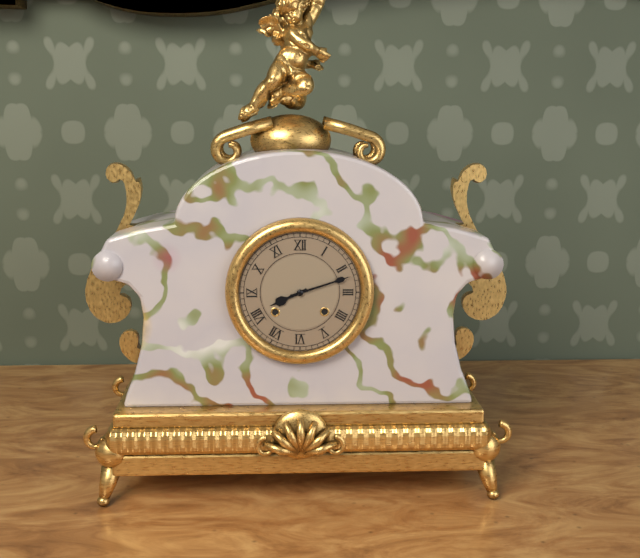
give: {"hour": 8, "minute": 12}
